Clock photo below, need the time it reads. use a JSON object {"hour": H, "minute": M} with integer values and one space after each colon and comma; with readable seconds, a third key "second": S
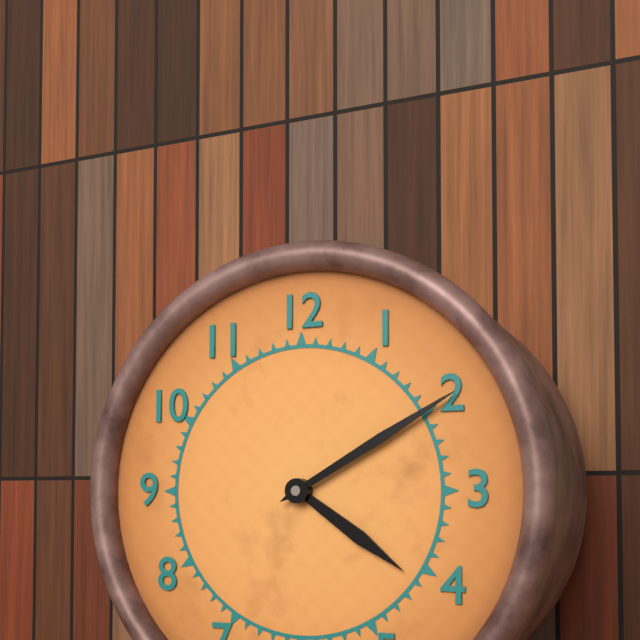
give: {"hour": 4, "minute": 10}
